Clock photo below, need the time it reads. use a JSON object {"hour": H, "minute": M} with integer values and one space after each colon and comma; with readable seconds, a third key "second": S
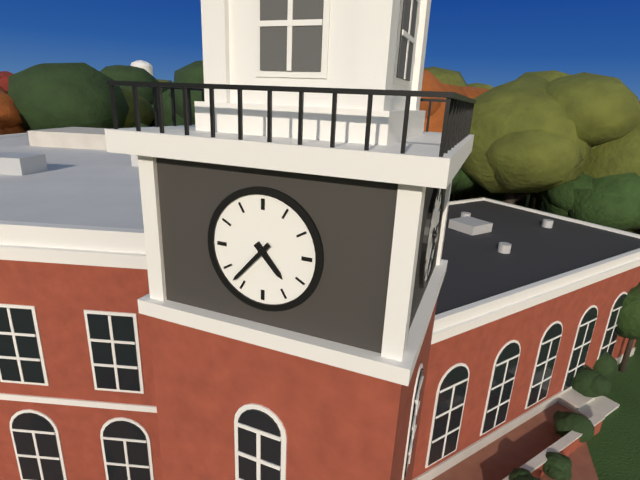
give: {"hour": 4, "minute": 37}
